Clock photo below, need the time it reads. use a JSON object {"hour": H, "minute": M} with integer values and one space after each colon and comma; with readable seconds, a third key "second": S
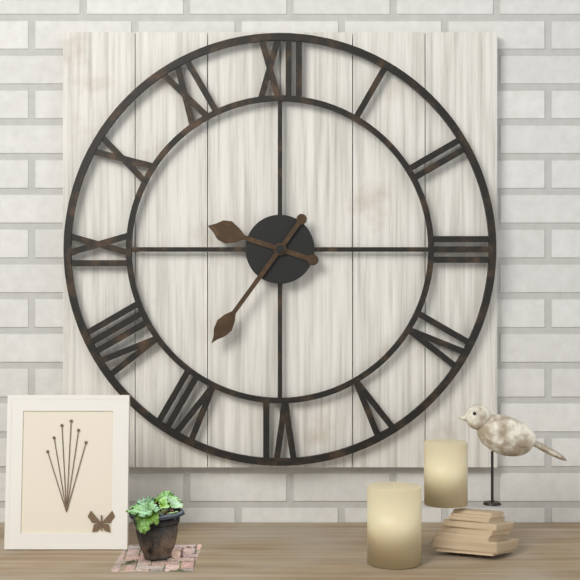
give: {"hour": 9, "minute": 36}
